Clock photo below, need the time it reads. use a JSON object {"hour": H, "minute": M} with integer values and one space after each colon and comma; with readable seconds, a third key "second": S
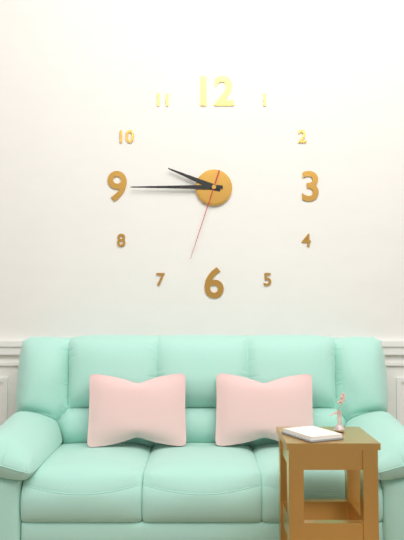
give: {"hour": 9, "minute": 45, "second": 33}
